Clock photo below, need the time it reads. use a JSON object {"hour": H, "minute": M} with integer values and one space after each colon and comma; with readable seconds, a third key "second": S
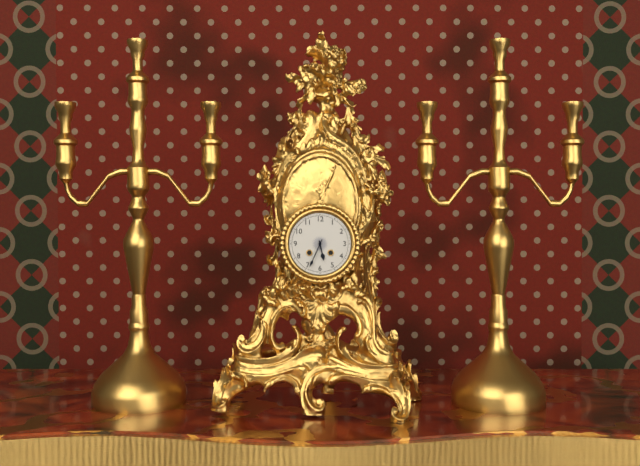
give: {"hour": 5, "minute": 34}
